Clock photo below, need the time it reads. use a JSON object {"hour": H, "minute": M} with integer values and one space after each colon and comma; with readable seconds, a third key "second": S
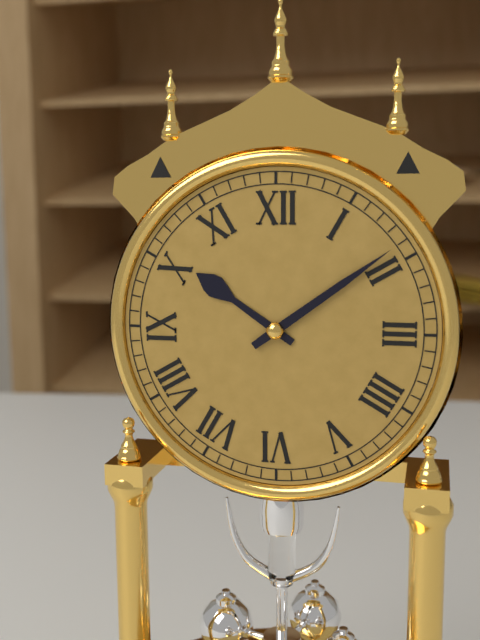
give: {"hour": 10, "minute": 9}
